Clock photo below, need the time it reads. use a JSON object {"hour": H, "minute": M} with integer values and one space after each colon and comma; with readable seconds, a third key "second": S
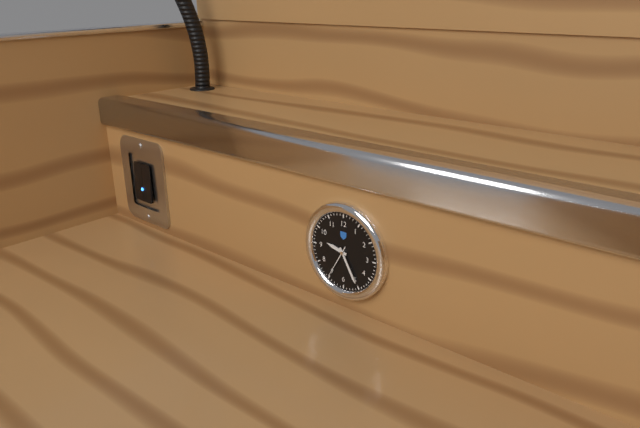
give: {"hour": 9, "minute": 25}
